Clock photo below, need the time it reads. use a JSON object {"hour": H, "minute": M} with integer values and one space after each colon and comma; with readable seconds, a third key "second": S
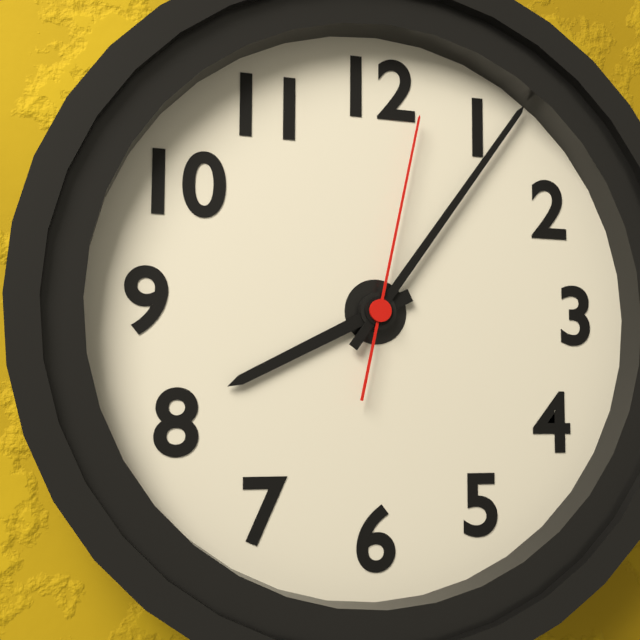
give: {"hour": 8, "minute": 6, "second": 2}
